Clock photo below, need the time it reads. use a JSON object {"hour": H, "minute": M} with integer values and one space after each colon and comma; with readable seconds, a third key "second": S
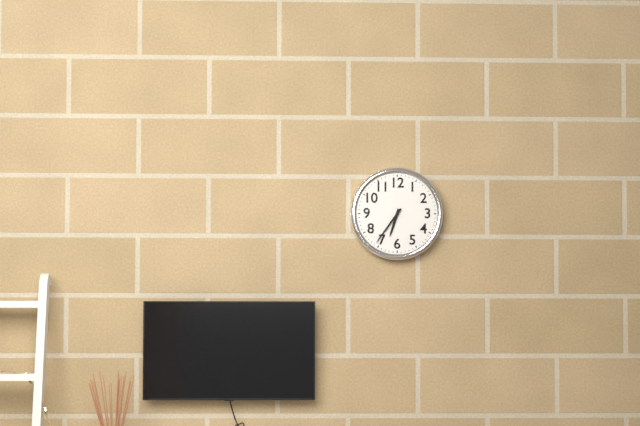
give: {"hour": 6, "minute": 36}
